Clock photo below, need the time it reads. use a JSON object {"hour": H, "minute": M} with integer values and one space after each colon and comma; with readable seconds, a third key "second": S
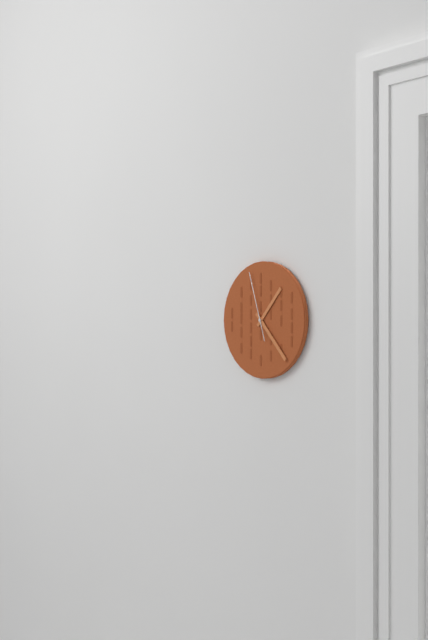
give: {"hour": 1, "minute": 23, "second": 57}
